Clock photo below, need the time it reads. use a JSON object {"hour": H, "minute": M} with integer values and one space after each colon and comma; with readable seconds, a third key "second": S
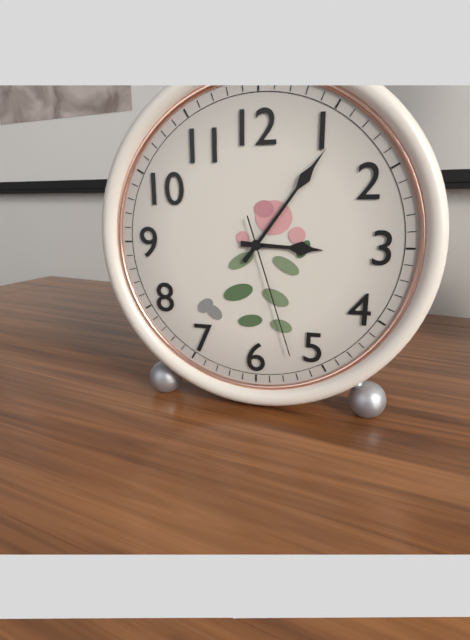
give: {"hour": 3, "minute": 6, "second": 27}
